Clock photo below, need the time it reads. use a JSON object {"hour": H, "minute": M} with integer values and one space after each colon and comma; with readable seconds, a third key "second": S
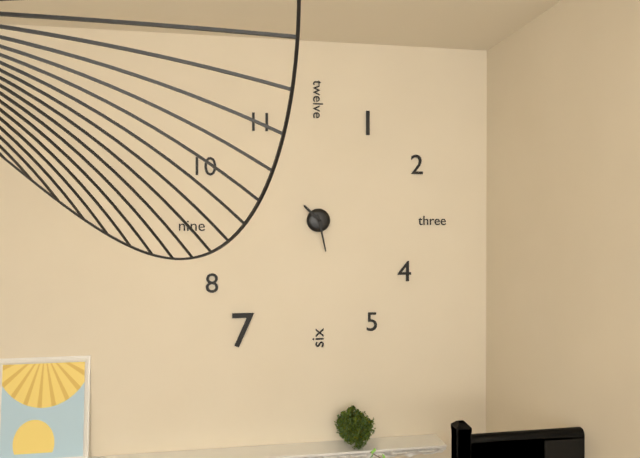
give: {"hour": 10, "minute": 28}
